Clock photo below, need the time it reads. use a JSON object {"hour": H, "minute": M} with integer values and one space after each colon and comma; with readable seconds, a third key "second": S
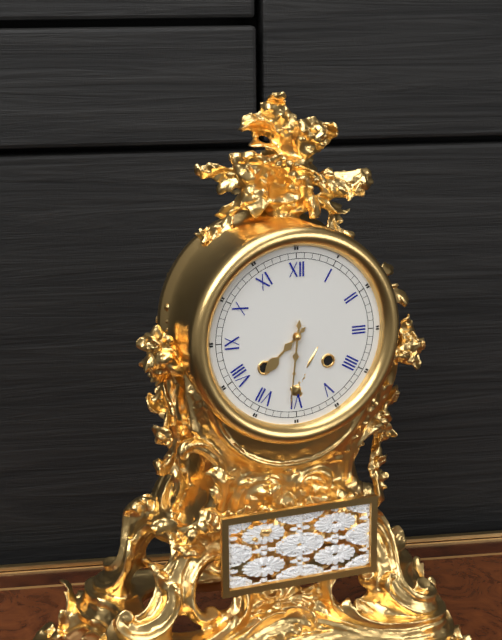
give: {"hour": 7, "minute": 31}
